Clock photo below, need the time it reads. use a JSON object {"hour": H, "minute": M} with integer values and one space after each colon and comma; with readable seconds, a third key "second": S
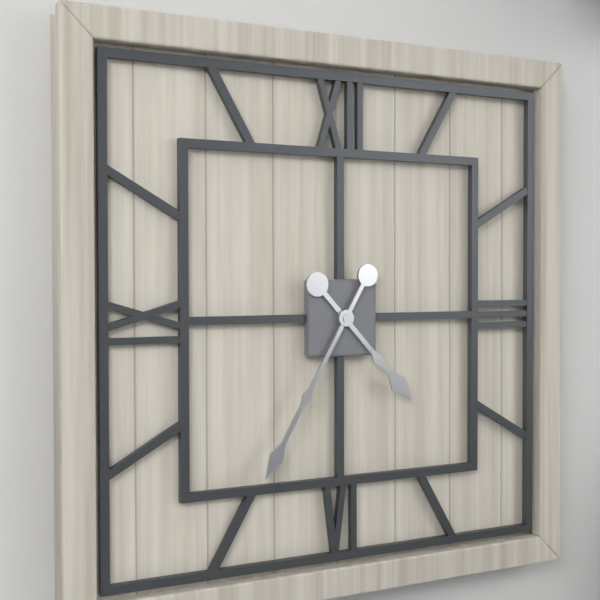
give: {"hour": 4, "minute": 35}
